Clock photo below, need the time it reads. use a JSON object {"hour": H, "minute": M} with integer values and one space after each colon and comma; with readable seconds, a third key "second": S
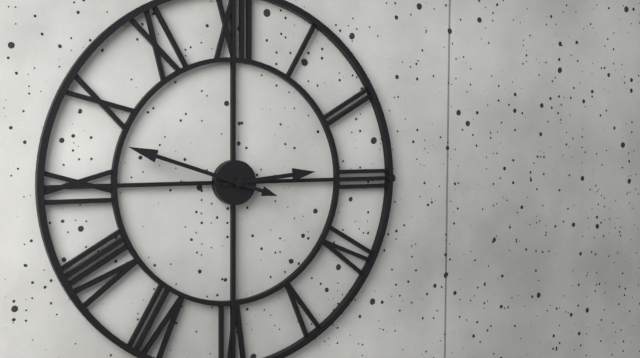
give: {"hour": 2, "minute": 48}
